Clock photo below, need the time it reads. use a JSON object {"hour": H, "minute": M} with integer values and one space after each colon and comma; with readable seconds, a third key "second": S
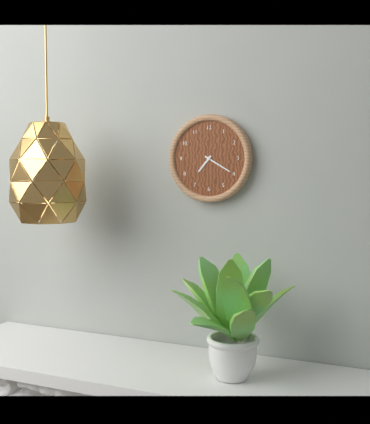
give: {"hour": 7, "minute": 20}
